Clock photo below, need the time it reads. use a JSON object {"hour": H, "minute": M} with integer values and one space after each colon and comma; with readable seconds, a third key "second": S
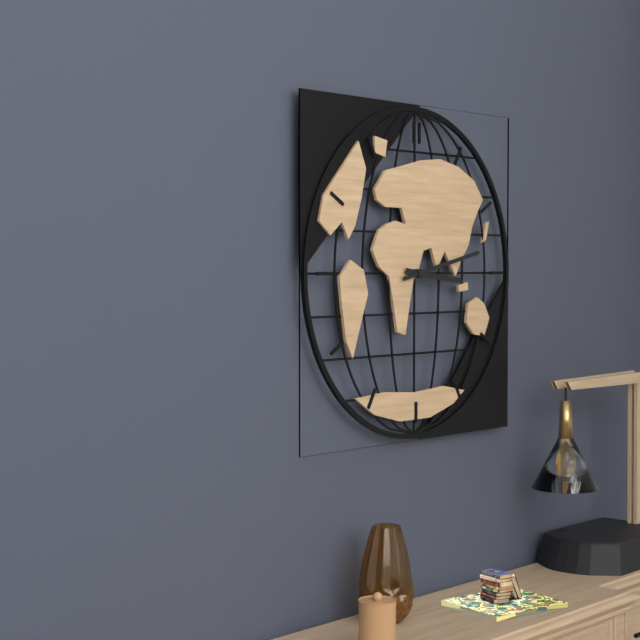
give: {"hour": 3, "minute": 13}
